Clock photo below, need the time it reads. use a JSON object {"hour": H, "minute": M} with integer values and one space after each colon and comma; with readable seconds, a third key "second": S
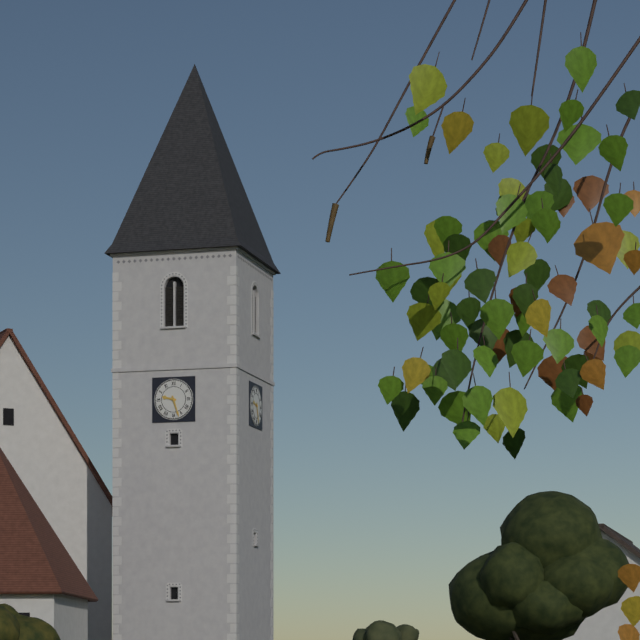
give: {"hour": 9, "minute": 27}
